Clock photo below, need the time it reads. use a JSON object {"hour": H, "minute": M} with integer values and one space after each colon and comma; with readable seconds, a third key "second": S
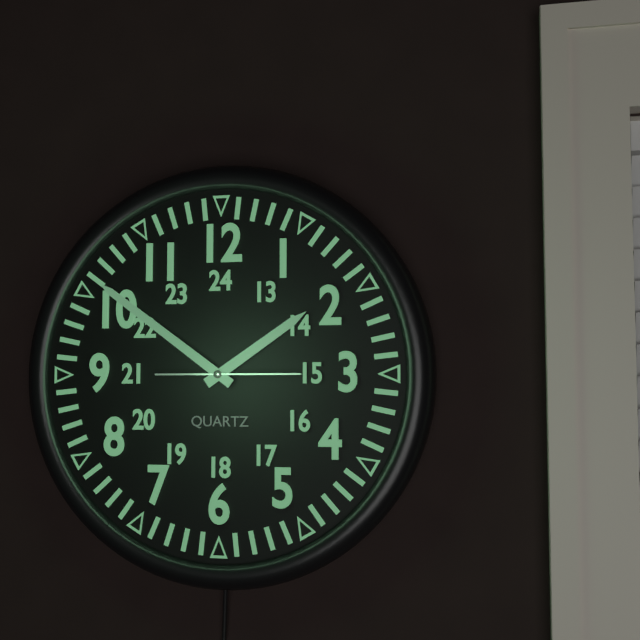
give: {"hour": 1, "minute": 51, "second": 15}
